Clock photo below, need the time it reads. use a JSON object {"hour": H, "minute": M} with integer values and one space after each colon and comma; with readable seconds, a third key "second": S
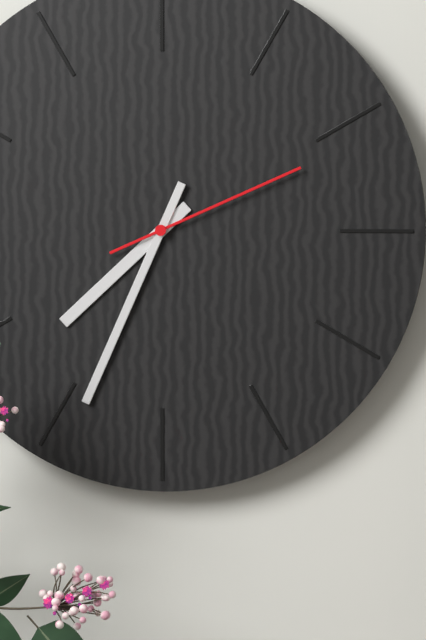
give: {"hour": 7, "minute": 34, "second": 11}
